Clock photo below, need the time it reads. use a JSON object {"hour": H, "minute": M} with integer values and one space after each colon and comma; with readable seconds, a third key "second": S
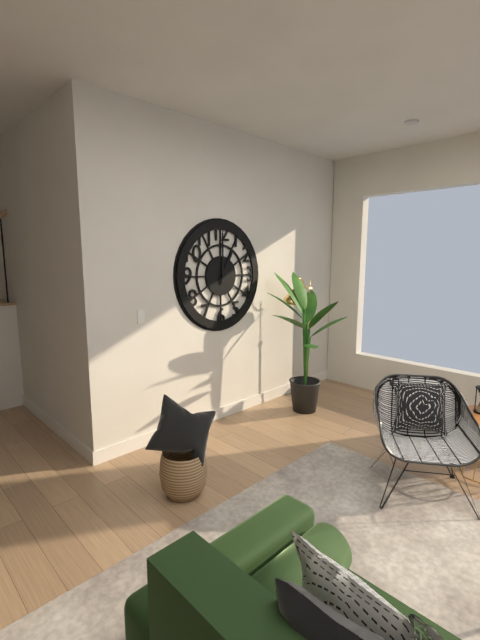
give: {"hour": 1, "minute": 0}
